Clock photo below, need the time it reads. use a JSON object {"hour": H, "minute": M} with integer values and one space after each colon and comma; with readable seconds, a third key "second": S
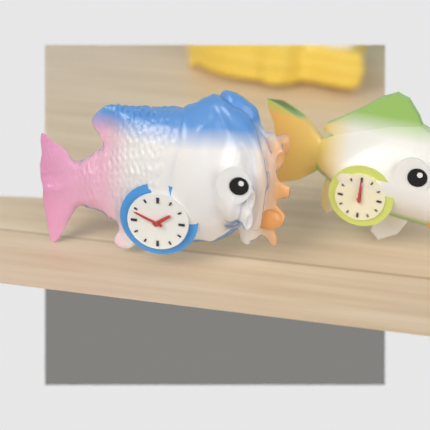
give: {"hour": 1, "minute": 49}
